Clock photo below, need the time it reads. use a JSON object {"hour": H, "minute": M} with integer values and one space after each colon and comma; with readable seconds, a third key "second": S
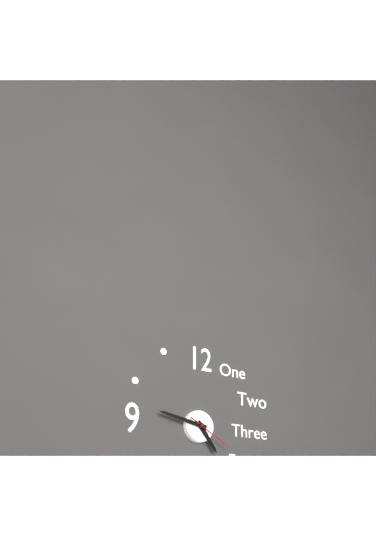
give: {"hour": 4, "minute": 47}
